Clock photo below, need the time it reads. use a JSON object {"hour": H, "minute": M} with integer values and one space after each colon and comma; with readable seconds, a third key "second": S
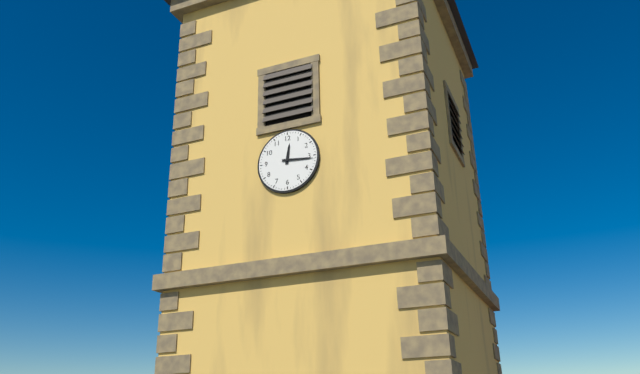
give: {"hour": 12, "minute": 16}
